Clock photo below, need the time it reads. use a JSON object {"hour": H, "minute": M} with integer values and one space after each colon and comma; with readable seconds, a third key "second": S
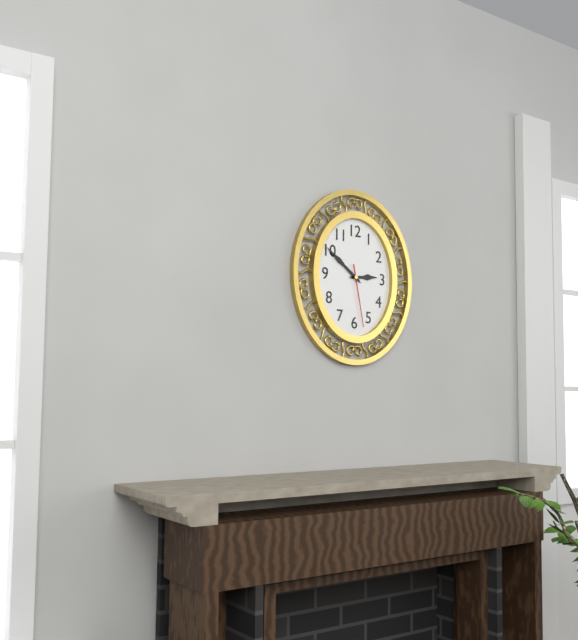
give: {"hour": 2, "minute": 51, "second": 28}
